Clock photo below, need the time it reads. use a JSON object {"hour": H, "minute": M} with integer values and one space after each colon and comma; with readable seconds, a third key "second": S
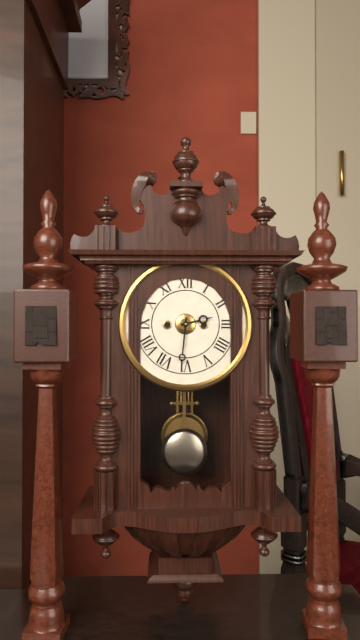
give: {"hour": 2, "minute": 31}
